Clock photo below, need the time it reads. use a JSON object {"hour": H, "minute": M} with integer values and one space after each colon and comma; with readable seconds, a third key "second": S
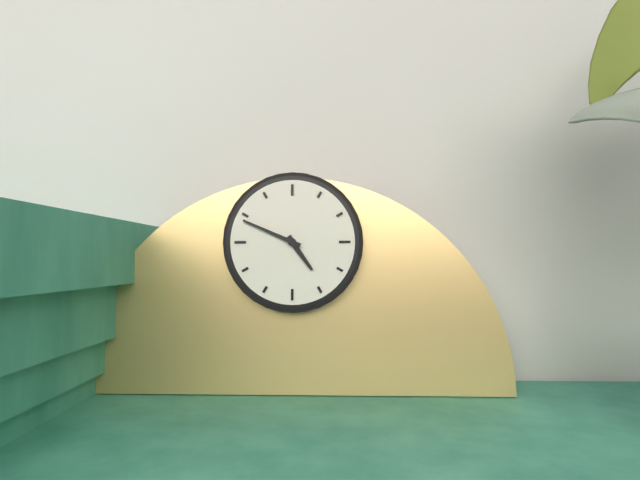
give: {"hour": 4, "minute": 49}
